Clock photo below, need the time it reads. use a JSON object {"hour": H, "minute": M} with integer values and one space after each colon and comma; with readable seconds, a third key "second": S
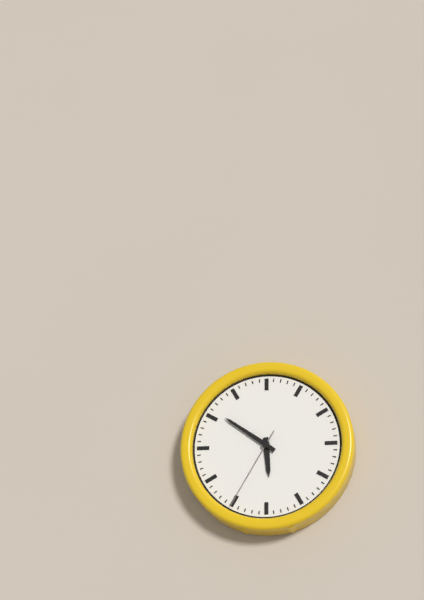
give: {"hour": 5, "minute": 51, "second": 35}
